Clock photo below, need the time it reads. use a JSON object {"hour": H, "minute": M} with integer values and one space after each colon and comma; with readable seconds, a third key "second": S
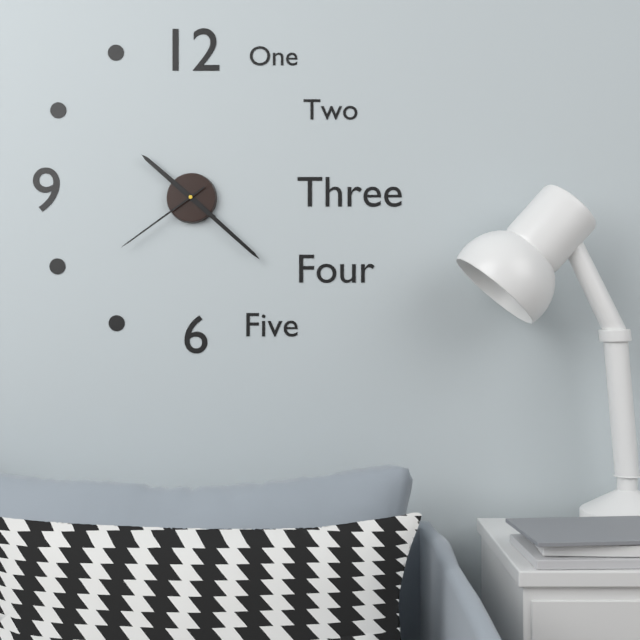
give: {"hour": 10, "minute": 22, "second": 39}
